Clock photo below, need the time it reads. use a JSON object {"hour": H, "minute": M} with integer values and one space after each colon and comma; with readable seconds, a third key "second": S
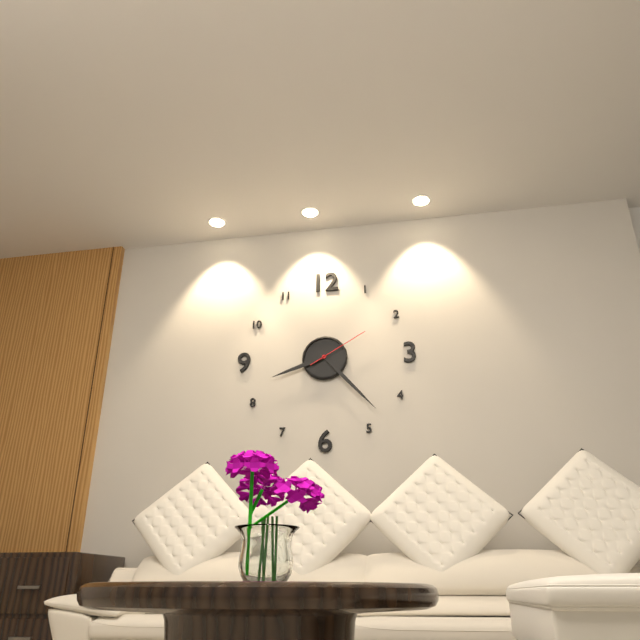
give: {"hour": 8, "minute": 23, "second": 10}
